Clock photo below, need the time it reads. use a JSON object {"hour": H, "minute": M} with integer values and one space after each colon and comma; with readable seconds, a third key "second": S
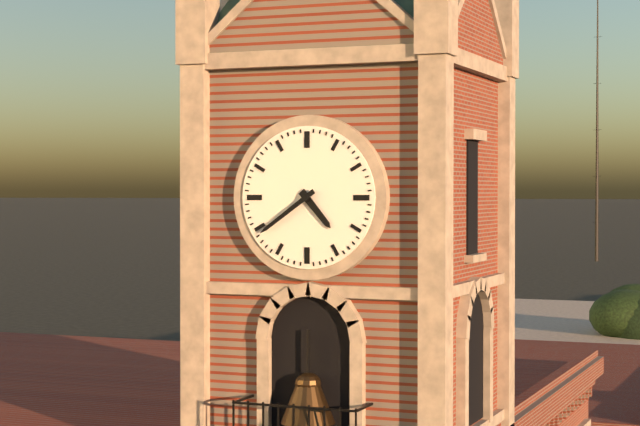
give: {"hour": 4, "minute": 39}
